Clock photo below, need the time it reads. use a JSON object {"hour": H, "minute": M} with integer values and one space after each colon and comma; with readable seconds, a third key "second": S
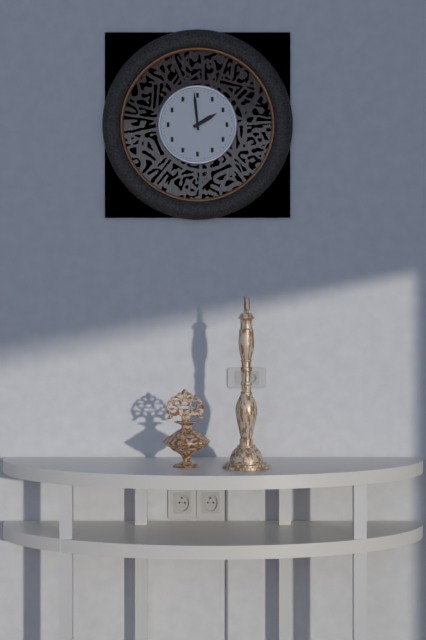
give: {"hour": 1, "minute": 59}
